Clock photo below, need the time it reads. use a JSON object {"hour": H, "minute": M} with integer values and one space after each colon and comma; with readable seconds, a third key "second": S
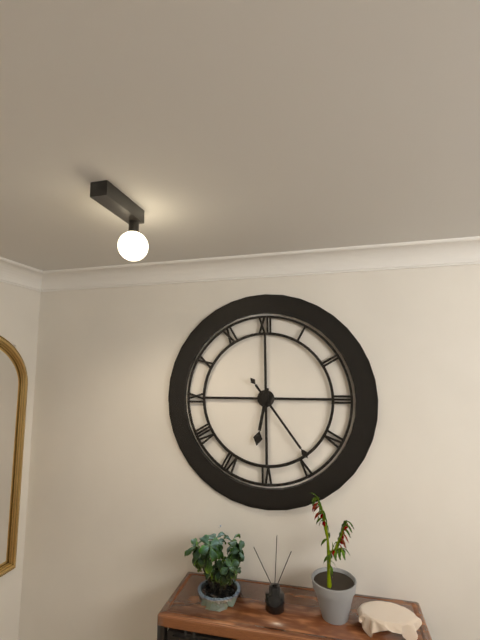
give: {"hour": 6, "minute": 24}
